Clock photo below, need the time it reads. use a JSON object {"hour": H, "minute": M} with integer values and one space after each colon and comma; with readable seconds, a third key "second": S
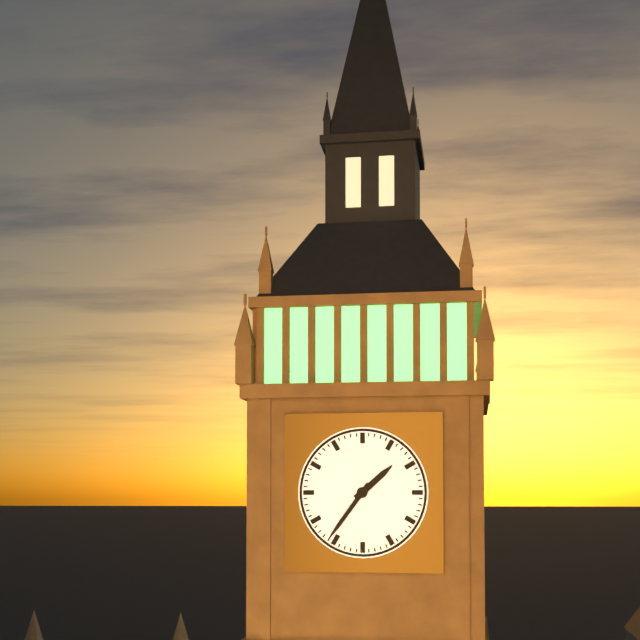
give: {"hour": 1, "minute": 36}
